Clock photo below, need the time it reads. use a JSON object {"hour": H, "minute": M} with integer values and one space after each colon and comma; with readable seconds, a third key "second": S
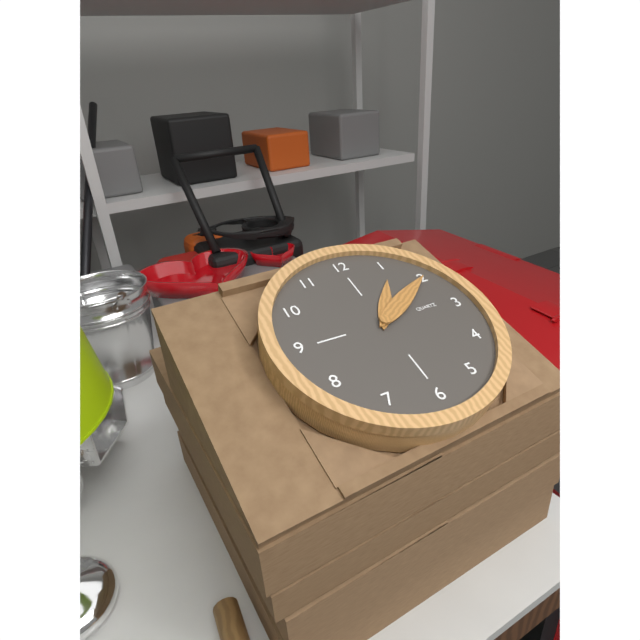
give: {"hour": 1, "minute": 10}
